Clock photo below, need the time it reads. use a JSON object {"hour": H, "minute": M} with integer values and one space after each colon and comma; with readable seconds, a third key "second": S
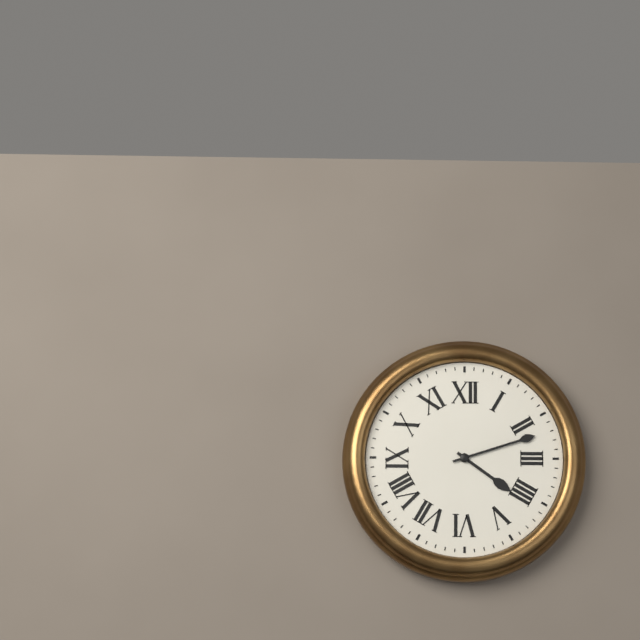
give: {"hour": 4, "minute": 12}
